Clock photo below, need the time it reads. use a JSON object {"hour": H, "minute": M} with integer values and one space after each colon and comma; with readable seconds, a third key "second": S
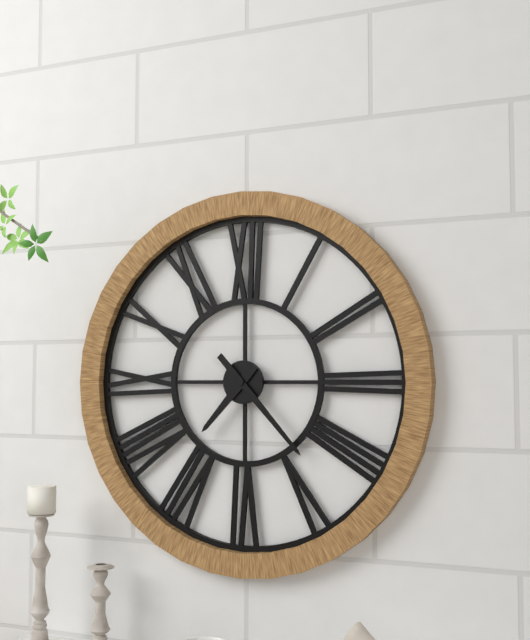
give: {"hour": 7, "minute": 23}
